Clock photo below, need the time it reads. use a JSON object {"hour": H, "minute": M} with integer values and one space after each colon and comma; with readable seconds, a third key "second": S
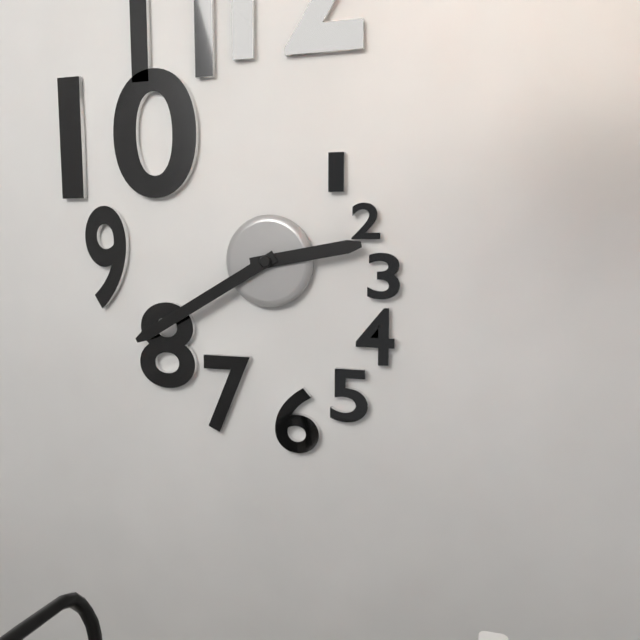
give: {"hour": 2, "minute": 40}
